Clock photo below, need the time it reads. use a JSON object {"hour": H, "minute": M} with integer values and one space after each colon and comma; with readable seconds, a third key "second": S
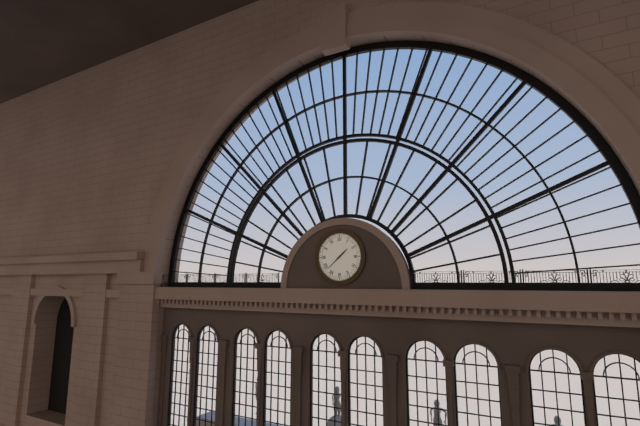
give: {"hour": 1, "minute": 38}
